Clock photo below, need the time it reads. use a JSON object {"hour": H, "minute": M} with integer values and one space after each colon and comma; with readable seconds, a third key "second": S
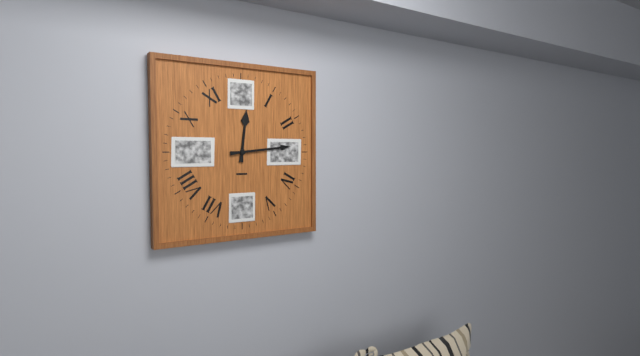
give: {"hour": 12, "minute": 14}
